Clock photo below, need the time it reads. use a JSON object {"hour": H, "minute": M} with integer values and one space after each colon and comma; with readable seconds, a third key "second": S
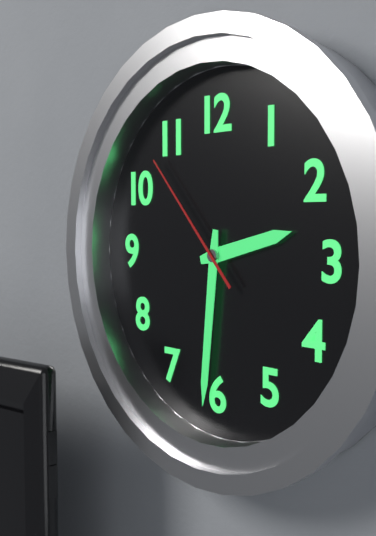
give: {"hour": 2, "minute": 31, "second": 53}
